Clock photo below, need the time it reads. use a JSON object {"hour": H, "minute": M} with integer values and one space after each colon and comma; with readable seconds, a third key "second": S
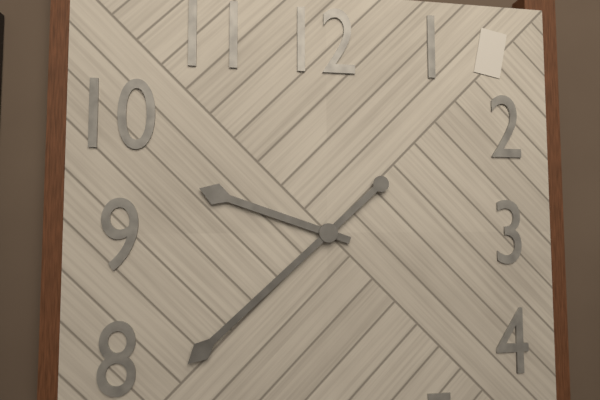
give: {"hour": 9, "minute": 38}
